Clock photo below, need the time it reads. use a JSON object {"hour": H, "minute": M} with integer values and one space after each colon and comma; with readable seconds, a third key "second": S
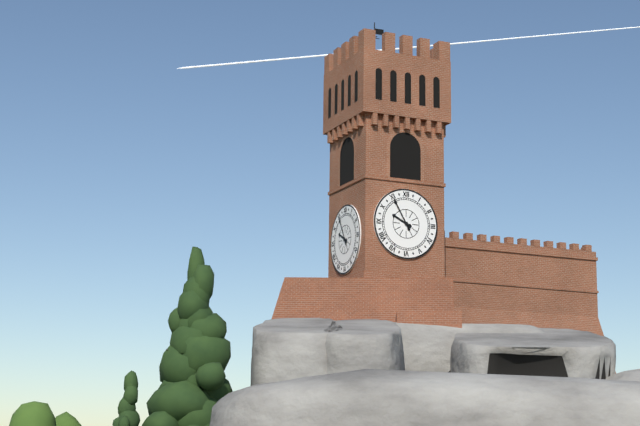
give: {"hour": 9, "minute": 55}
